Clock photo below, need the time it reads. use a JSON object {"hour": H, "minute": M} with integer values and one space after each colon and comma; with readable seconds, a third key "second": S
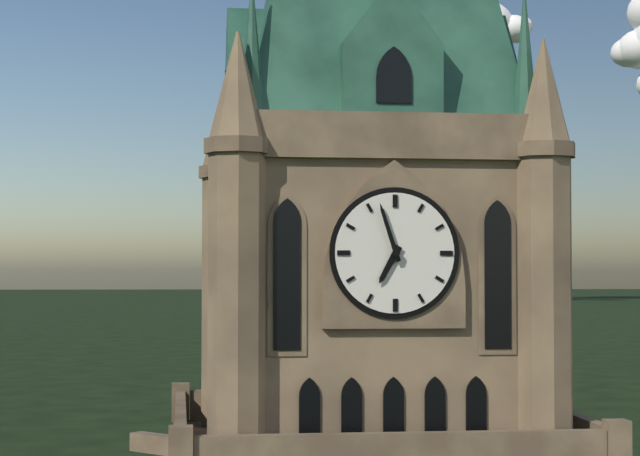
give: {"hour": 6, "minute": 57}
